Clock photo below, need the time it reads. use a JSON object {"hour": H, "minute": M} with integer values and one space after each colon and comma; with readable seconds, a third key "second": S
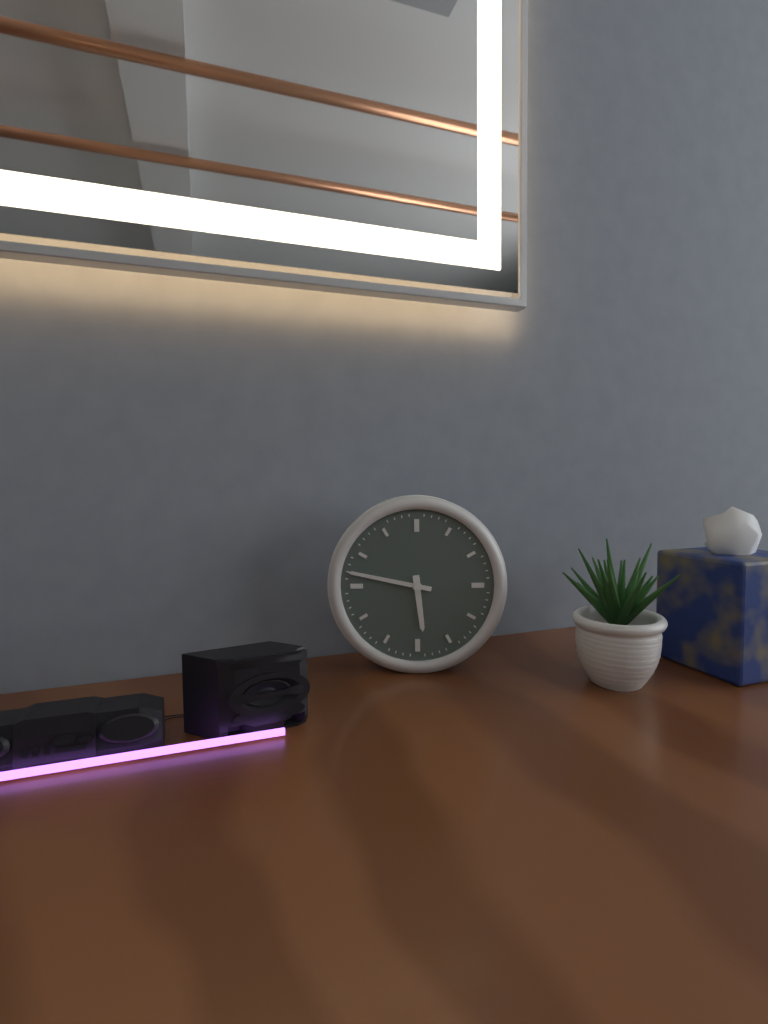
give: {"hour": 5, "minute": 47}
